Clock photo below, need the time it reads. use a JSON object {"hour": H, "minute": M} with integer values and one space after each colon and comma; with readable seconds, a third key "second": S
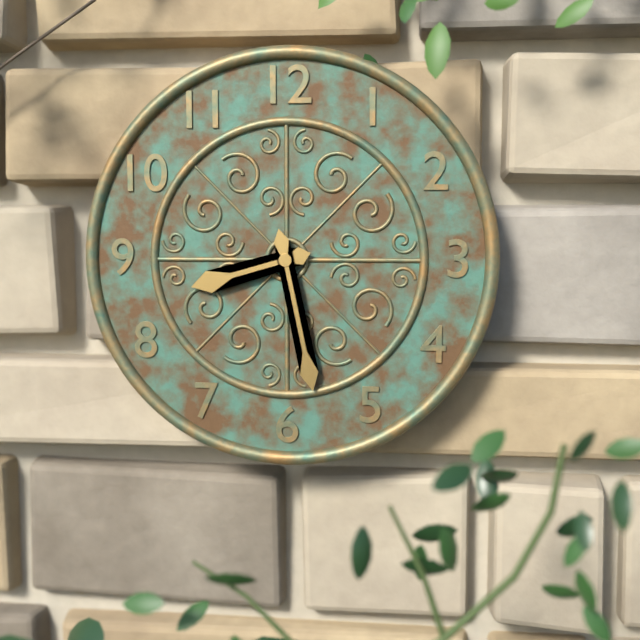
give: {"hour": 8, "minute": 28}
